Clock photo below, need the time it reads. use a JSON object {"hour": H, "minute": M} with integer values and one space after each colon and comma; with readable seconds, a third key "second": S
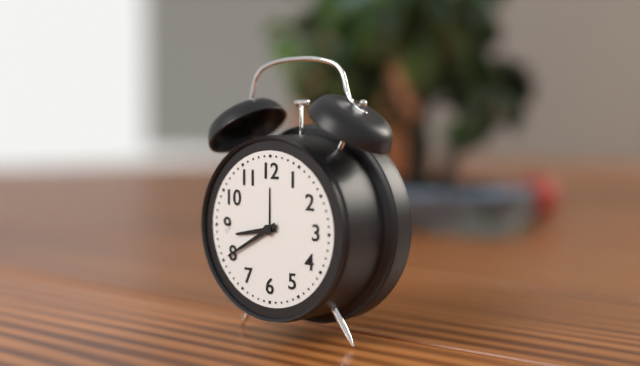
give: {"hour": 8, "minute": 40}
